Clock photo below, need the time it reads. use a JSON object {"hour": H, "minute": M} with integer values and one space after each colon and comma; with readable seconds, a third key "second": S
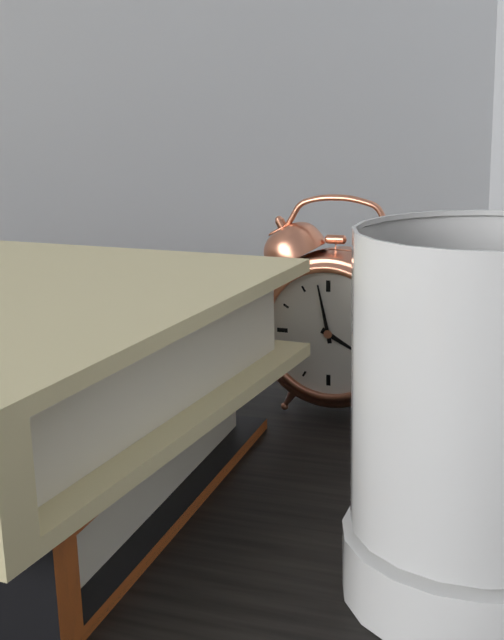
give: {"hour": 3, "minute": 58}
